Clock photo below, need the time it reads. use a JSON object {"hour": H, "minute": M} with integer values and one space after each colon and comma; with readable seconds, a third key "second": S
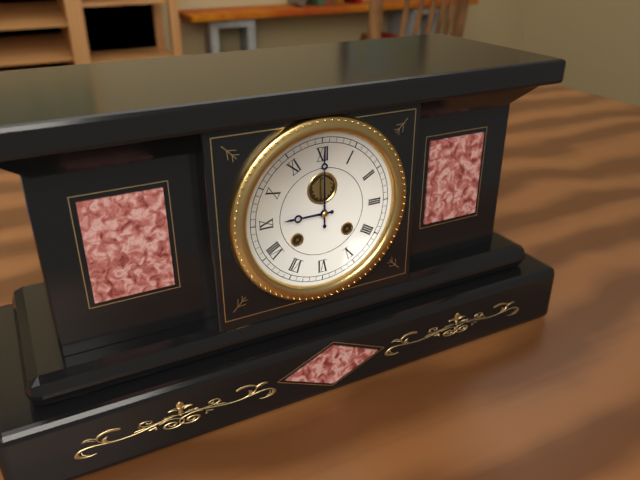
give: {"hour": 9, "minute": 0}
